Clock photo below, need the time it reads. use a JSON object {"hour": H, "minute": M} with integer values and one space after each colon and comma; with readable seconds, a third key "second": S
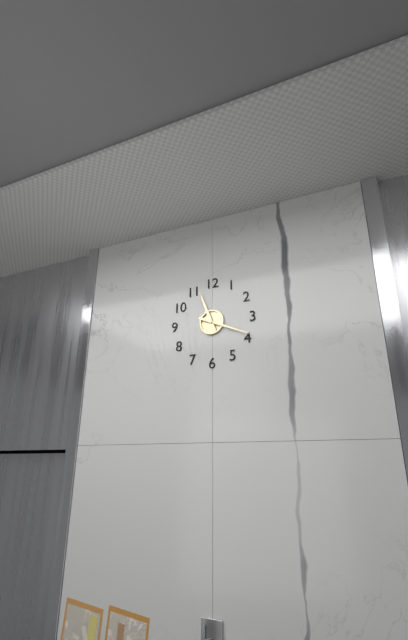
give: {"hour": 11, "minute": 19}
